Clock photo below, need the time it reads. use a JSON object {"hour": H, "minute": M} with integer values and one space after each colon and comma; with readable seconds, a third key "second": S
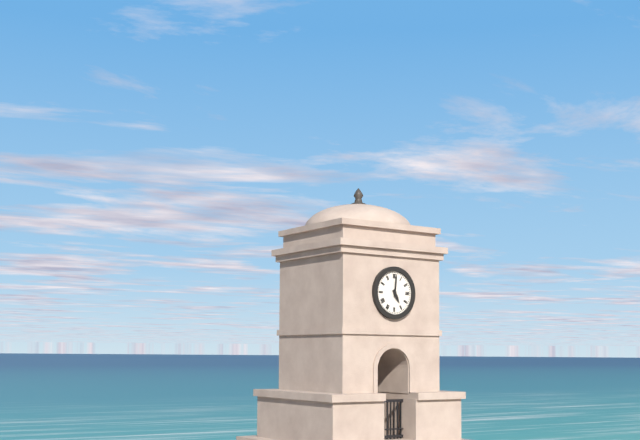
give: {"hour": 5, "minute": 1}
